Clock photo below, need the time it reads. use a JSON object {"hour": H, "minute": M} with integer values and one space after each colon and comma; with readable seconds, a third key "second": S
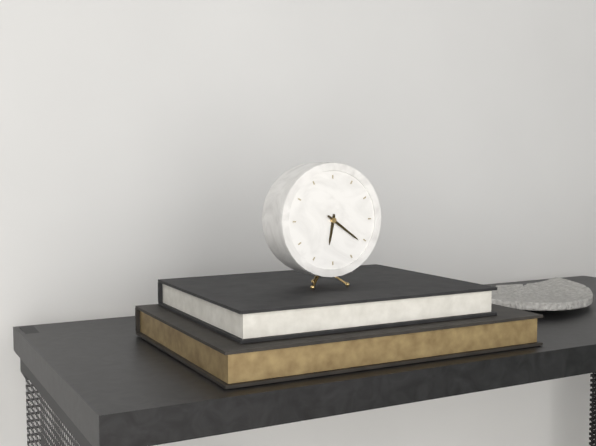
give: {"hour": 6, "minute": 21}
